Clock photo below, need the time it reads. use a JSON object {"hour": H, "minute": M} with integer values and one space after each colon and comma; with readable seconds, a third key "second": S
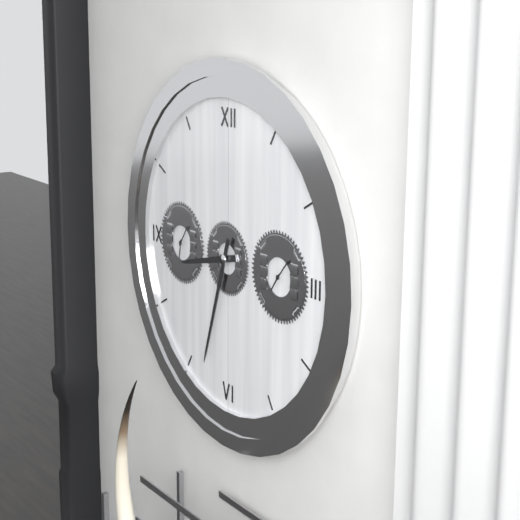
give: {"hour": 8, "minute": 33}
